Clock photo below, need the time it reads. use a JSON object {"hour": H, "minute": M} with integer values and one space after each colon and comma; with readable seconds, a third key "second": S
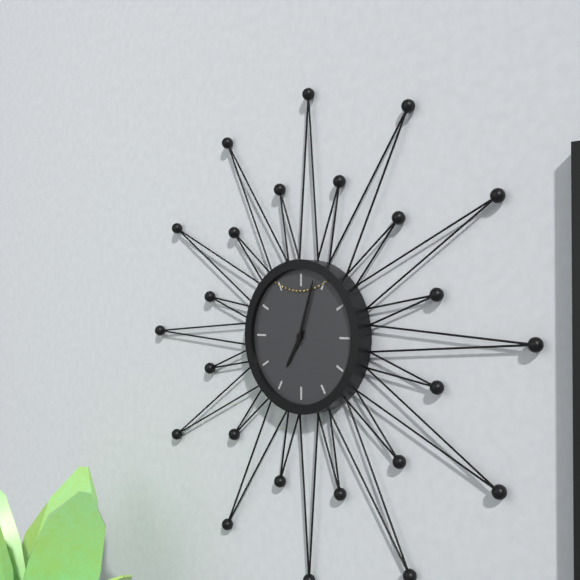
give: {"hour": 7, "minute": 3}
